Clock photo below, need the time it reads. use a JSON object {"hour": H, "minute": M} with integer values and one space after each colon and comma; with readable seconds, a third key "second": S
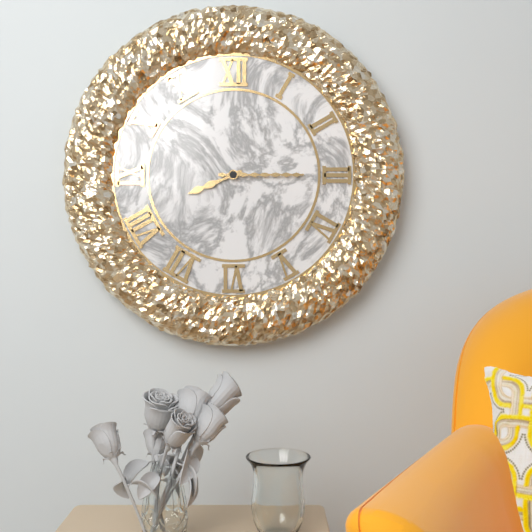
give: {"hour": 8, "minute": 15}
